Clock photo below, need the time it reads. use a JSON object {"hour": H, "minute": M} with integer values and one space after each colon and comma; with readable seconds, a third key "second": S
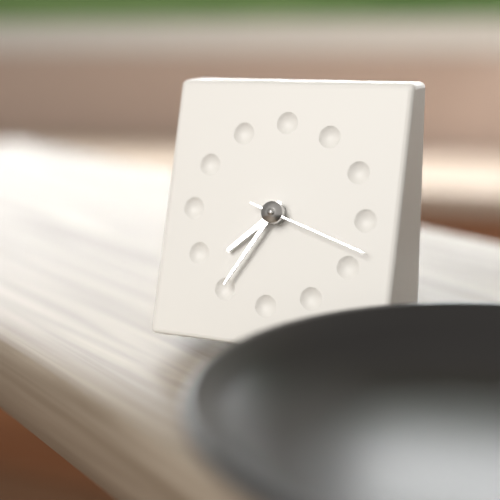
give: {"hour": 7, "minute": 35, "second": 18}
